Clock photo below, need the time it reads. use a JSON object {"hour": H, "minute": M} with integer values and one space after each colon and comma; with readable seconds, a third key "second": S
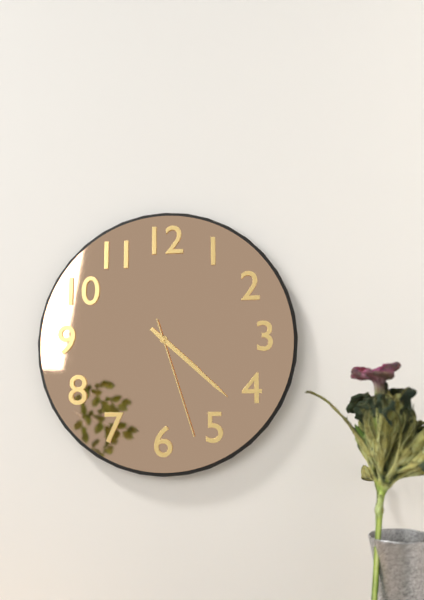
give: {"hour": 4, "minute": 22, "second": 27}
